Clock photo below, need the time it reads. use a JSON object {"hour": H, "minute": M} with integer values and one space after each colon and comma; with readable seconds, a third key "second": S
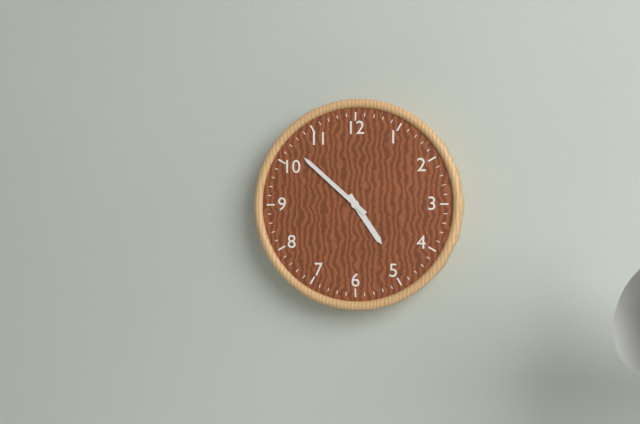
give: {"hour": 4, "minute": 52}
